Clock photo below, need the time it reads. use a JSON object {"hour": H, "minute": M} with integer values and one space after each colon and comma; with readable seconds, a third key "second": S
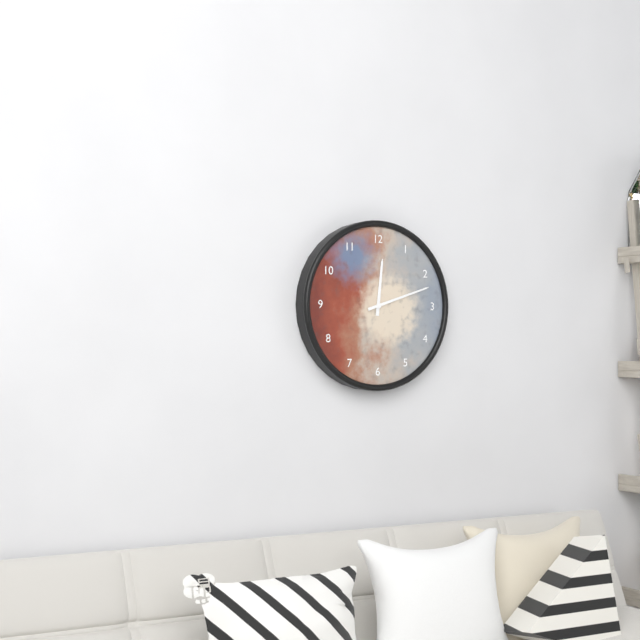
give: {"hour": 12, "minute": 12}
